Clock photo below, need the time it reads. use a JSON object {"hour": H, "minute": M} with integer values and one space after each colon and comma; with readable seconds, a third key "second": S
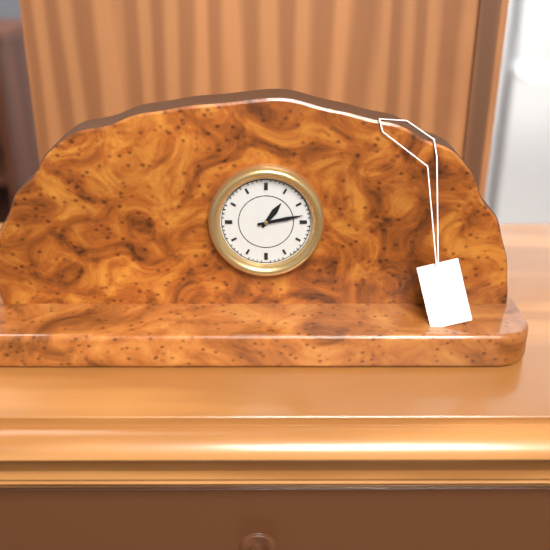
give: {"hour": 1, "minute": 13}
